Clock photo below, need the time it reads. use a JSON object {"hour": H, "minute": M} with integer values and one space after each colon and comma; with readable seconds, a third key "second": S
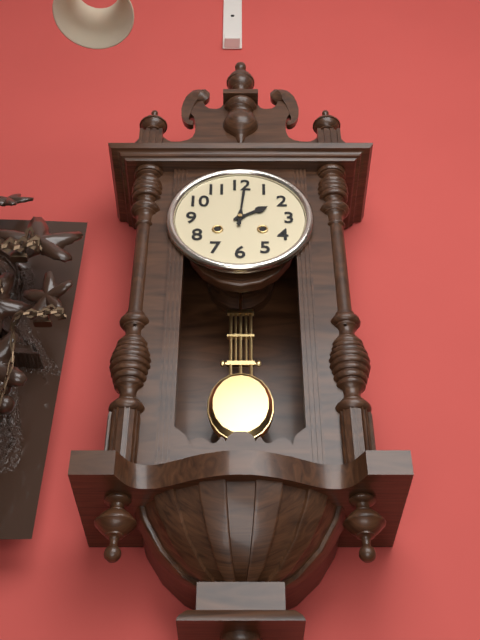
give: {"hour": 2, "minute": 1}
